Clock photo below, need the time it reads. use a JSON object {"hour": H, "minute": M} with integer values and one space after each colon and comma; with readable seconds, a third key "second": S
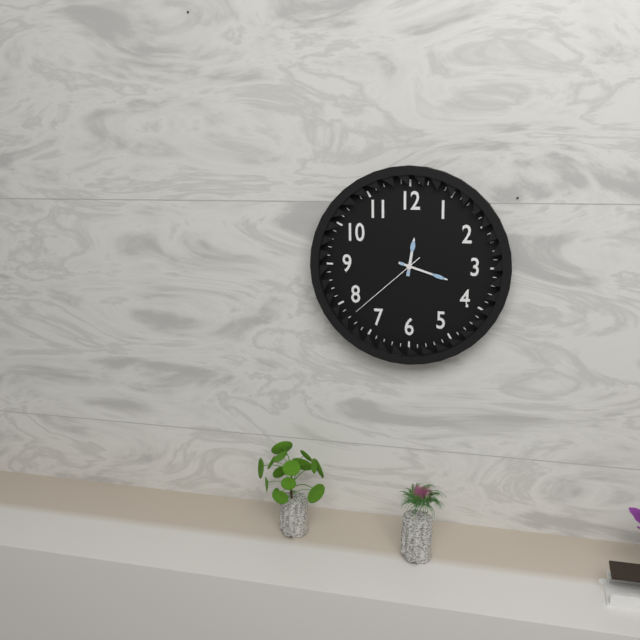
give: {"hour": 12, "minute": 18, "second": 38}
